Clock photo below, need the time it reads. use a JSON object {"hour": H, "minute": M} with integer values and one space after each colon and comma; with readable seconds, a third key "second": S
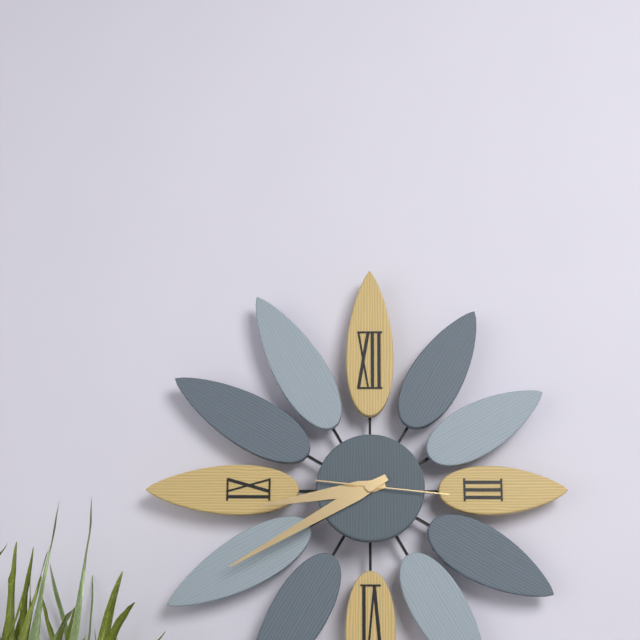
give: {"hour": 8, "minute": 40, "second": 16}
